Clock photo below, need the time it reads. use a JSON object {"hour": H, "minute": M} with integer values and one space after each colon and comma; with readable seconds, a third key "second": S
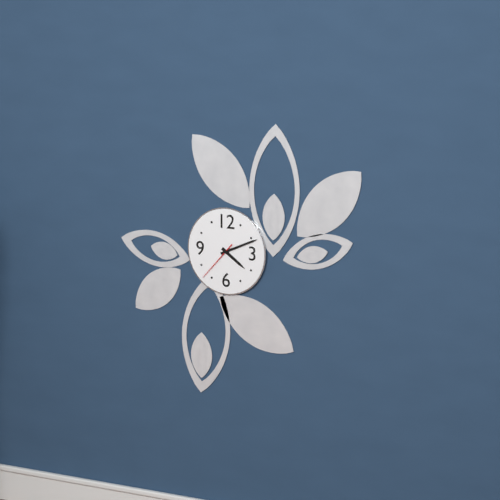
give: {"hour": 4, "minute": 11}
